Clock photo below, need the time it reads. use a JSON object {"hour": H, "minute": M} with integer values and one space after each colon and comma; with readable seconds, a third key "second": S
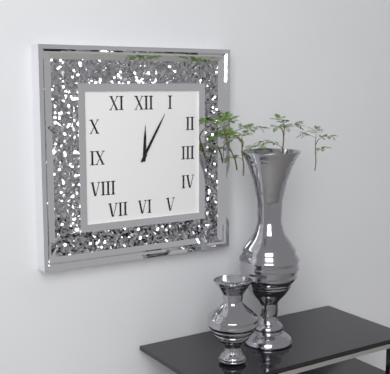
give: {"hour": 12, "minute": 5}
